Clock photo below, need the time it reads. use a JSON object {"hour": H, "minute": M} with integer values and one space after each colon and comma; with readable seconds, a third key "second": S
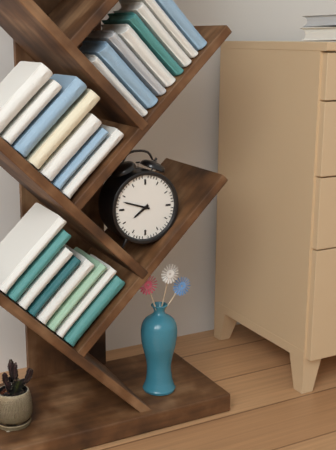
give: {"hour": 7, "minute": 48}
